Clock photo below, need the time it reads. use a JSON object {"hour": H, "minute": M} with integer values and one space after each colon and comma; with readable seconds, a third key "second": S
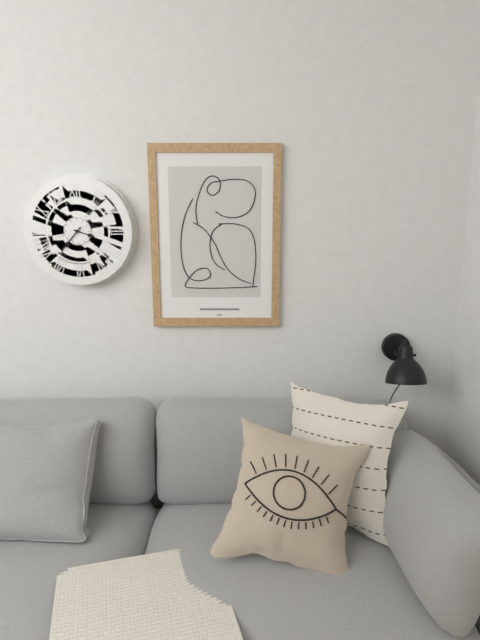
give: {"hour": 3, "minute": 37}
